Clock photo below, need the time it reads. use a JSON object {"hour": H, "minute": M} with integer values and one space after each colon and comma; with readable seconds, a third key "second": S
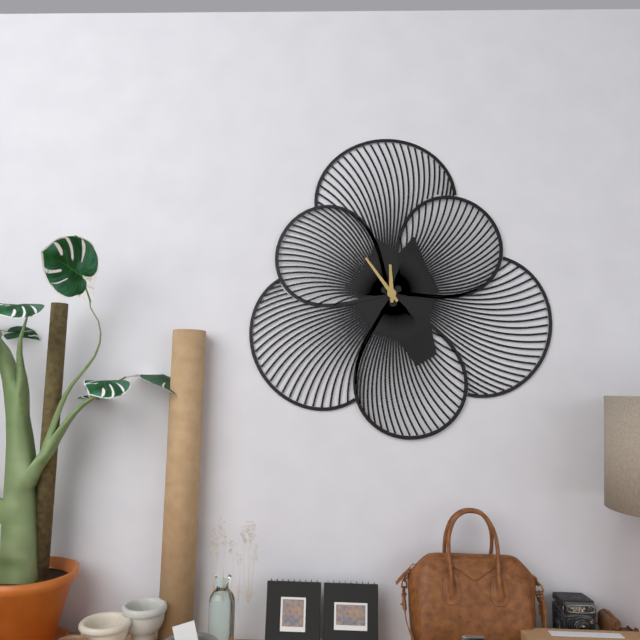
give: {"hour": 11, "minute": 54}
